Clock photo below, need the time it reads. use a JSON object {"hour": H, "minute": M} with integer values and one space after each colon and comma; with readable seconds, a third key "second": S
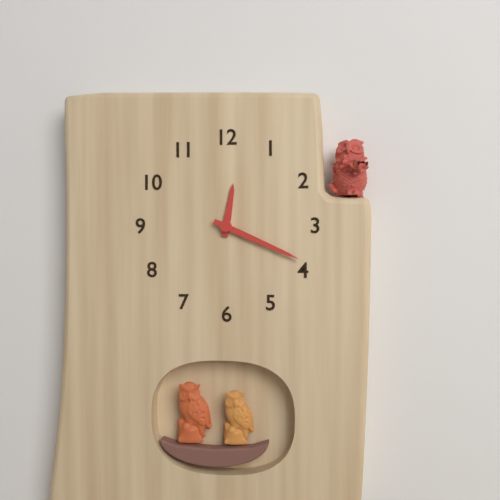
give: {"hour": 12, "minute": 19}
